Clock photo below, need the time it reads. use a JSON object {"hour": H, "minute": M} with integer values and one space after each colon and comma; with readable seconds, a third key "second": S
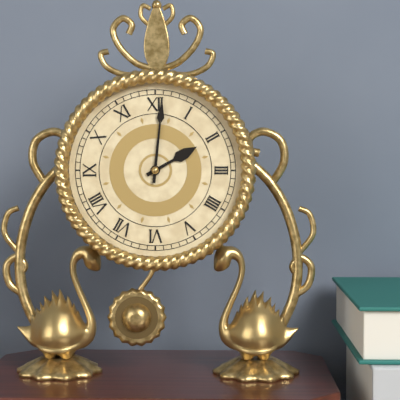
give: {"hour": 2, "minute": 1}
